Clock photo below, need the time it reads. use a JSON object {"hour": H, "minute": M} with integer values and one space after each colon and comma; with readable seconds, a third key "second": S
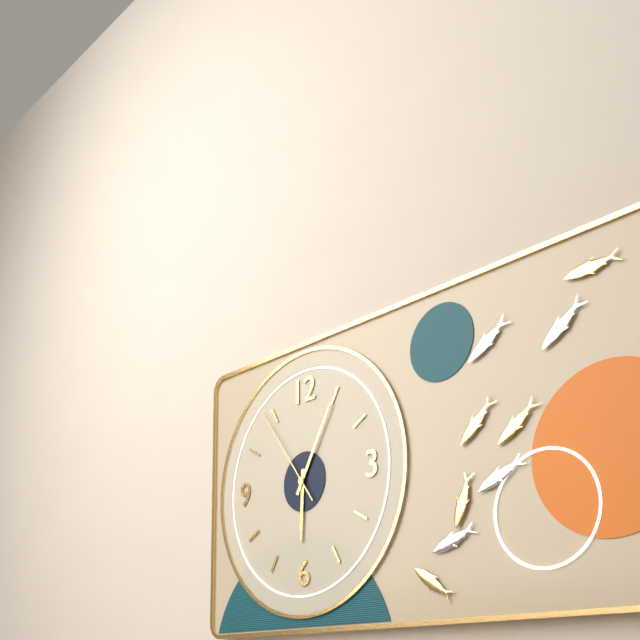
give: {"hour": 6, "minute": 5, "second": 54}
